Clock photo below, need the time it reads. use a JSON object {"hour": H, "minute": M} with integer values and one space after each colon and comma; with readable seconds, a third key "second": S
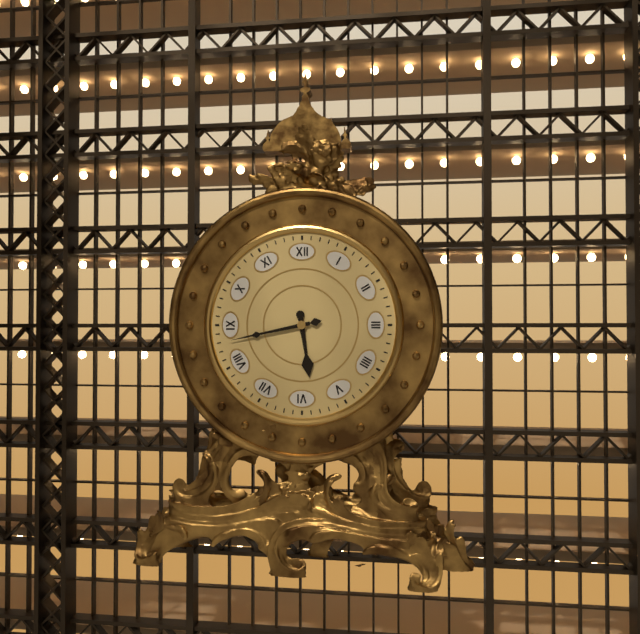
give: {"hour": 5, "minute": 43}
